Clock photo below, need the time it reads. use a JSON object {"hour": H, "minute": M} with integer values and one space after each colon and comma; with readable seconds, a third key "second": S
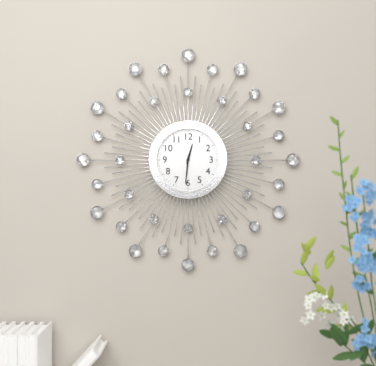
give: {"hour": 12, "minute": 31}
